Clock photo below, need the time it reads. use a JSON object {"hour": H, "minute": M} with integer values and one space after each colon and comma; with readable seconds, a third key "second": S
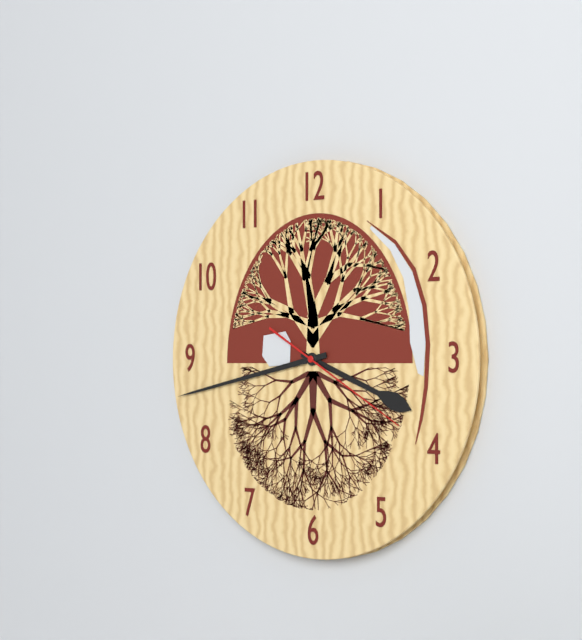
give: {"hour": 3, "minute": 43, "second": 20}
